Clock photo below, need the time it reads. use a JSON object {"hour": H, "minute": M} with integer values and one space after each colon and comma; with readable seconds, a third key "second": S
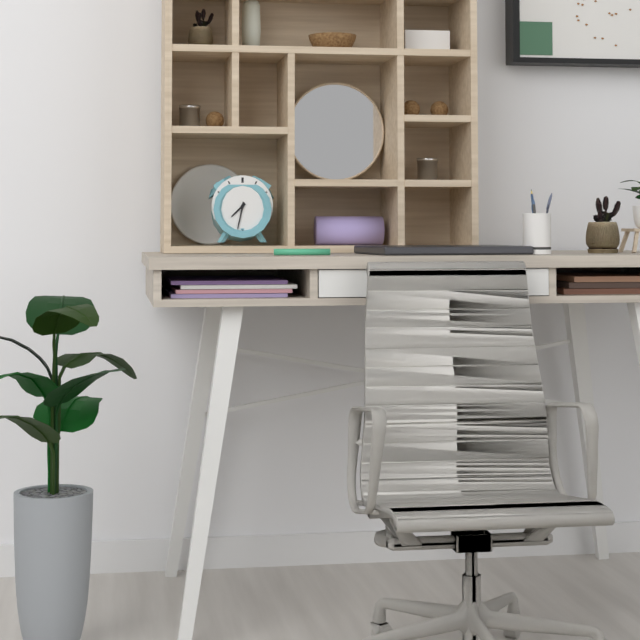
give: {"hour": 7, "minute": 32}
